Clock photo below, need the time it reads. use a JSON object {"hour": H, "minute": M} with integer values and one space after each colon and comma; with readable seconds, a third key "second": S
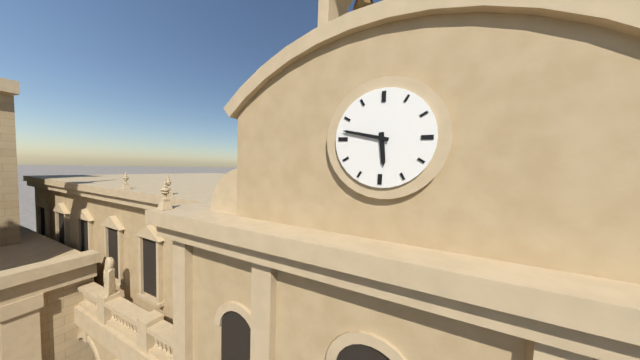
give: {"hour": 5, "minute": 47}
